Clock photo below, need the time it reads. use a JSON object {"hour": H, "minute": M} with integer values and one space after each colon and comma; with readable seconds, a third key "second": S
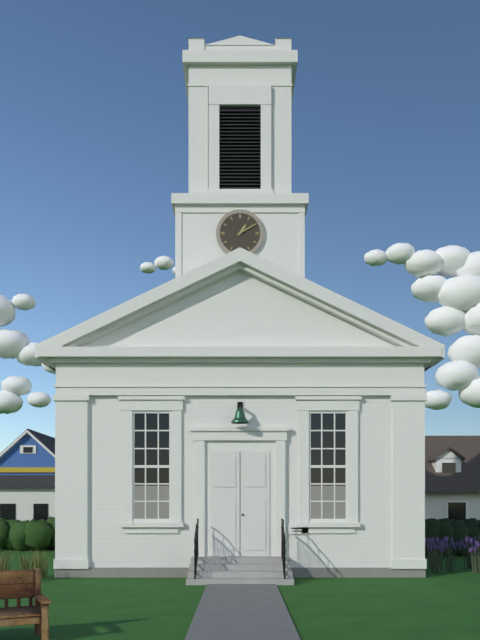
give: {"hour": 1, "minute": 10}
